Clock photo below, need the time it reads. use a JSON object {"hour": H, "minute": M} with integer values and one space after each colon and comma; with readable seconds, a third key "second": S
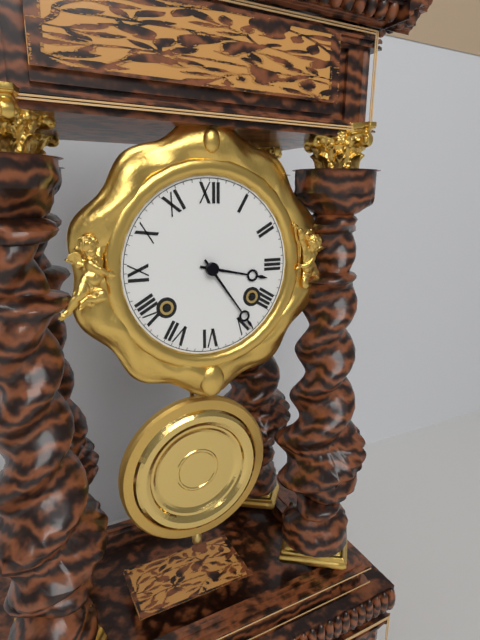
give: {"hour": 3, "minute": 24}
